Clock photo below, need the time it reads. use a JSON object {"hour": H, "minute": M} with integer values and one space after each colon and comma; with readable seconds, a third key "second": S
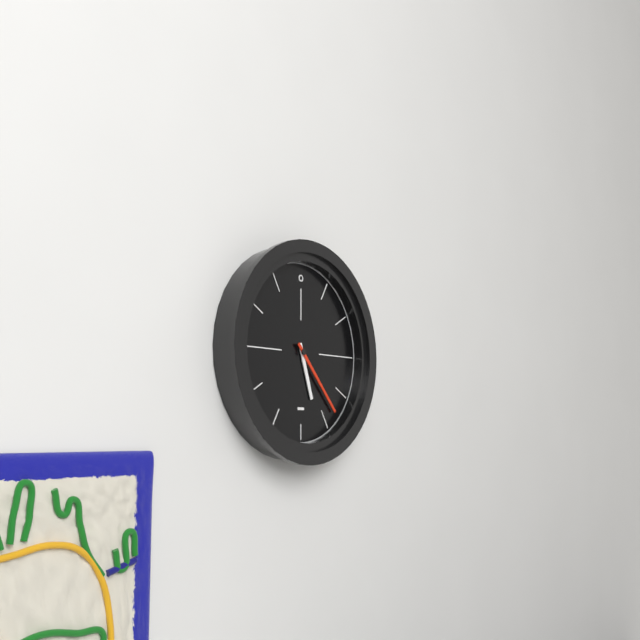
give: {"hour": 5, "minute": 23}
